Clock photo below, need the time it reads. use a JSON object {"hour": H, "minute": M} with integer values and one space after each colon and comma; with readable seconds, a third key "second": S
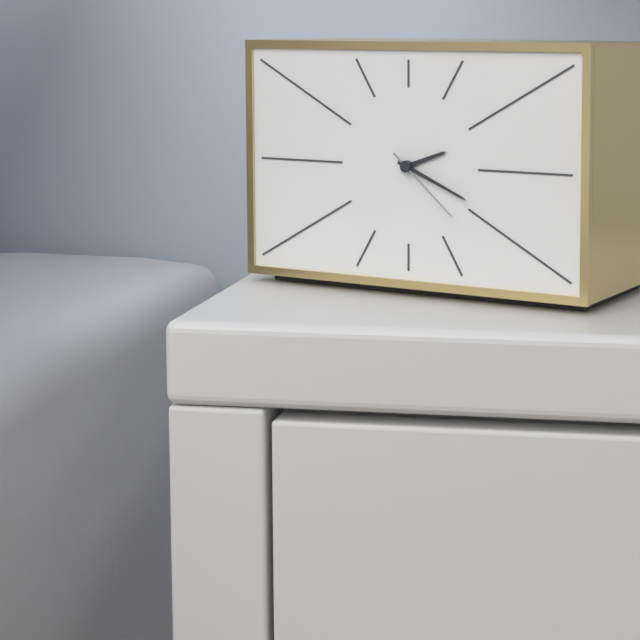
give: {"hour": 2, "minute": 19, "second": 22}
